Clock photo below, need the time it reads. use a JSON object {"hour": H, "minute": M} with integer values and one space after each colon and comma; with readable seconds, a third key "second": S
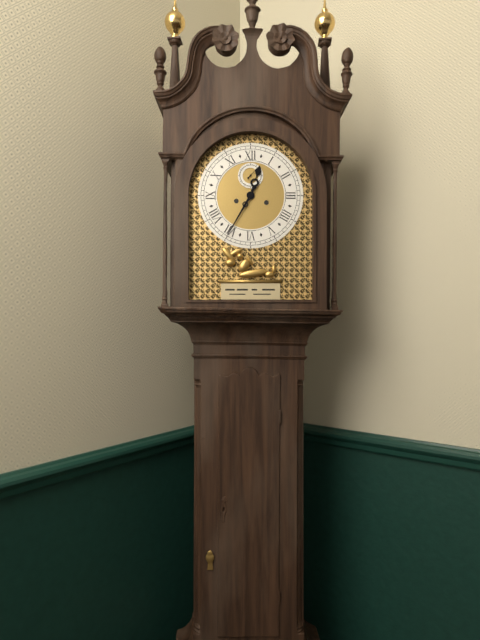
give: {"hour": 12, "minute": 35}
